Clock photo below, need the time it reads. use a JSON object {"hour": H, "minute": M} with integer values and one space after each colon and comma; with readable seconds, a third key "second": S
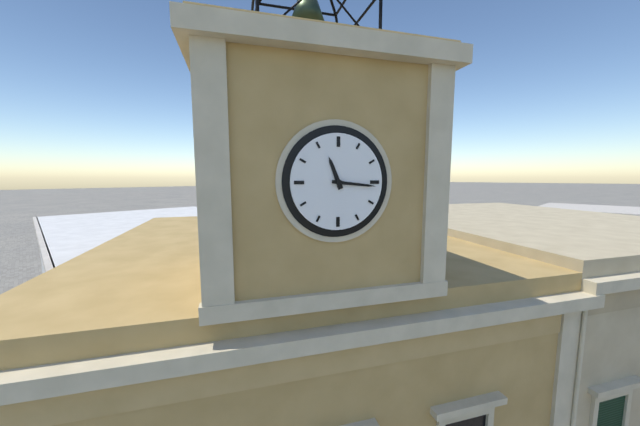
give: {"hour": 11, "minute": 16}
